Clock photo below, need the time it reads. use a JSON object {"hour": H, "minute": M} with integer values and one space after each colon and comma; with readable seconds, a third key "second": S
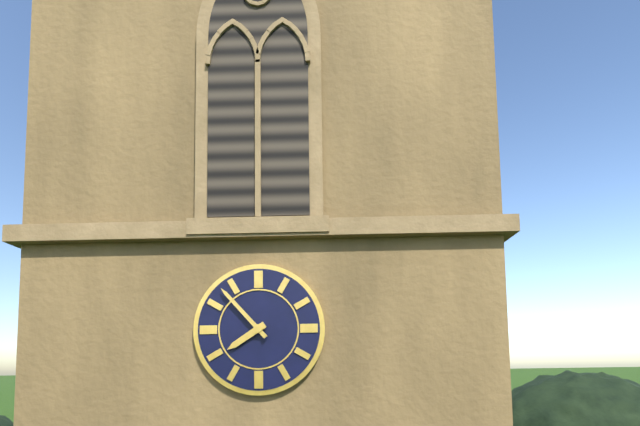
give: {"hour": 7, "minute": 53}
